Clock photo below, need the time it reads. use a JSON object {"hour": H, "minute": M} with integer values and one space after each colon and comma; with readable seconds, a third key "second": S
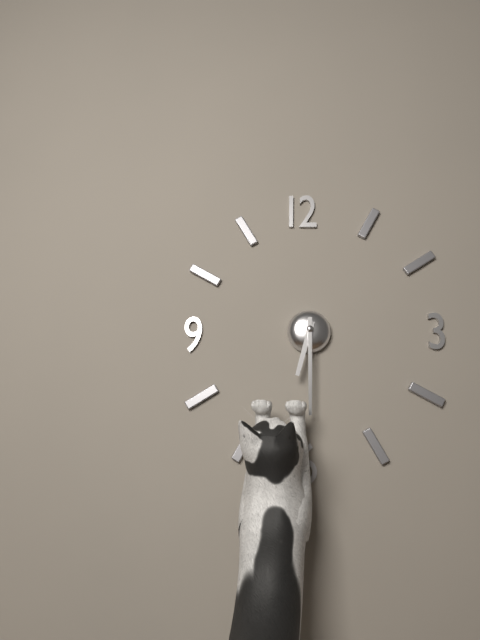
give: {"hour": 6, "minute": 30}
